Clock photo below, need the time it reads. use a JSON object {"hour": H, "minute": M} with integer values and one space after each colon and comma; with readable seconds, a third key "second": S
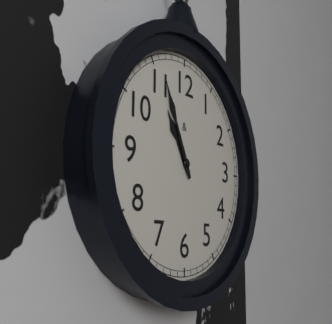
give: {"hour": 10, "minute": 56}
